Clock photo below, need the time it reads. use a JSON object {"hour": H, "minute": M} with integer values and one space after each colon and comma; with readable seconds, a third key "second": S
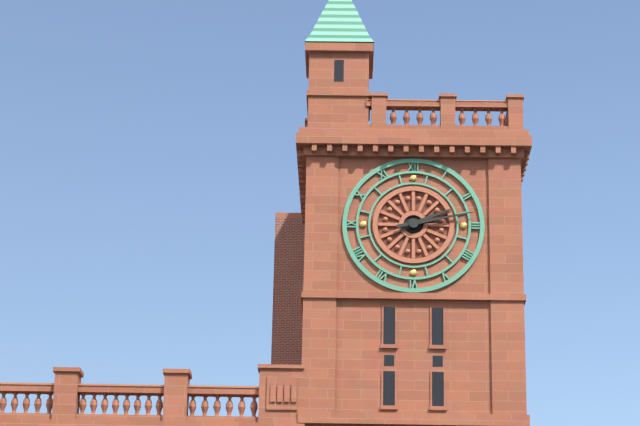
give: {"hour": 2, "minute": 13}
